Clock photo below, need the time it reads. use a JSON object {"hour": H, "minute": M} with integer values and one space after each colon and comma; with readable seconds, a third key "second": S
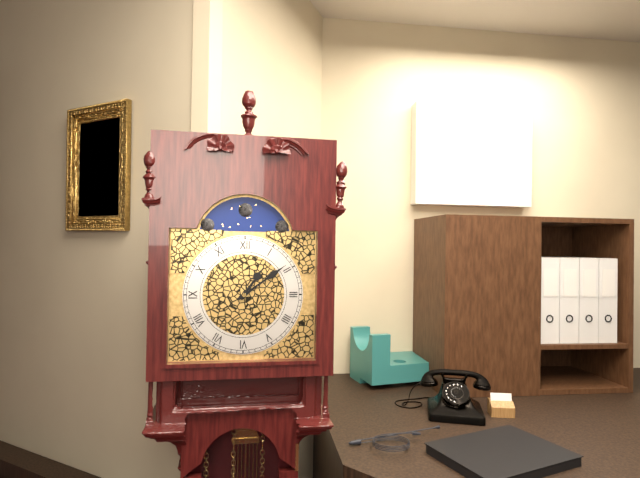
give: {"hour": 1, "minute": 9}
